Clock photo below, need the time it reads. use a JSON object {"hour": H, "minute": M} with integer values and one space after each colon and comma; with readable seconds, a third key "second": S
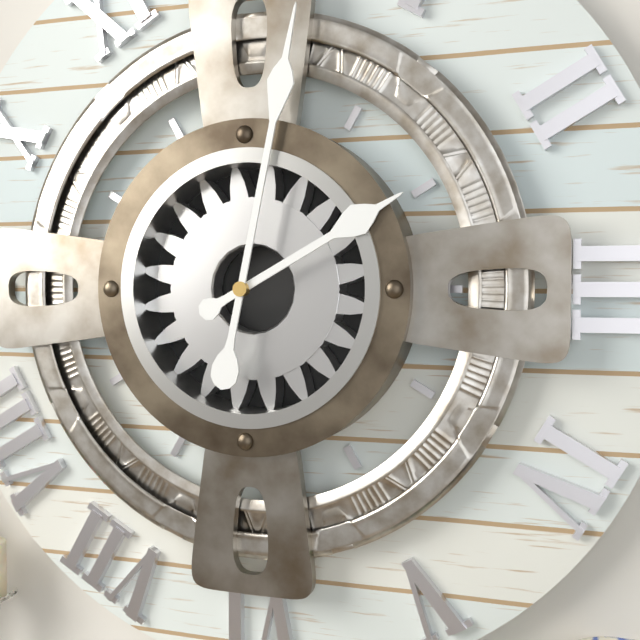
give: {"hour": 2, "minute": 2}
